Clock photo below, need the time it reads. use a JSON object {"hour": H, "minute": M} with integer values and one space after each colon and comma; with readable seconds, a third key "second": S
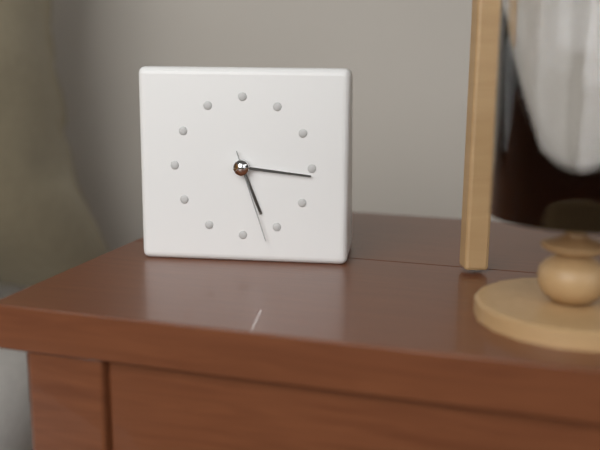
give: {"hour": 5, "minute": 16, "second": 27}
